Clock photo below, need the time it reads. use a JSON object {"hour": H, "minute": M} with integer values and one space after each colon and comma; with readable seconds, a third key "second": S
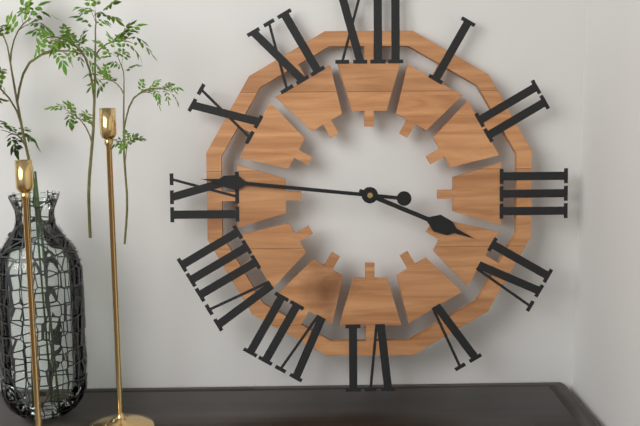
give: {"hour": 3, "minute": 46}
